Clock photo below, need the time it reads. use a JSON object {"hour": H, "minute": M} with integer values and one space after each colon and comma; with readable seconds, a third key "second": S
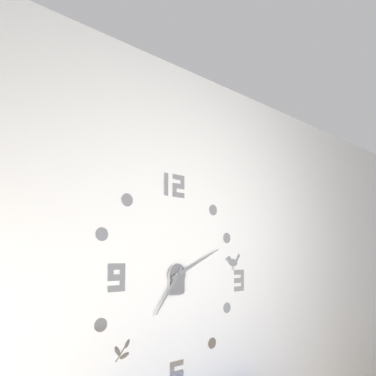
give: {"hour": 7, "minute": 11}
